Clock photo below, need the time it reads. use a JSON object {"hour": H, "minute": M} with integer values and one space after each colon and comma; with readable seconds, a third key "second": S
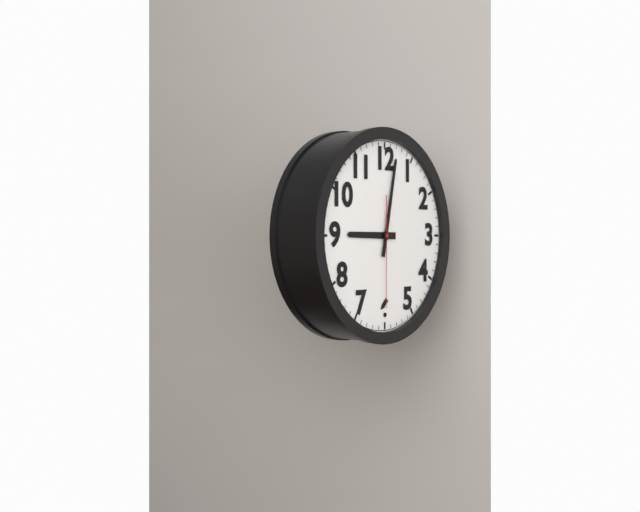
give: {"hour": 9, "minute": 2, "second": 30}
